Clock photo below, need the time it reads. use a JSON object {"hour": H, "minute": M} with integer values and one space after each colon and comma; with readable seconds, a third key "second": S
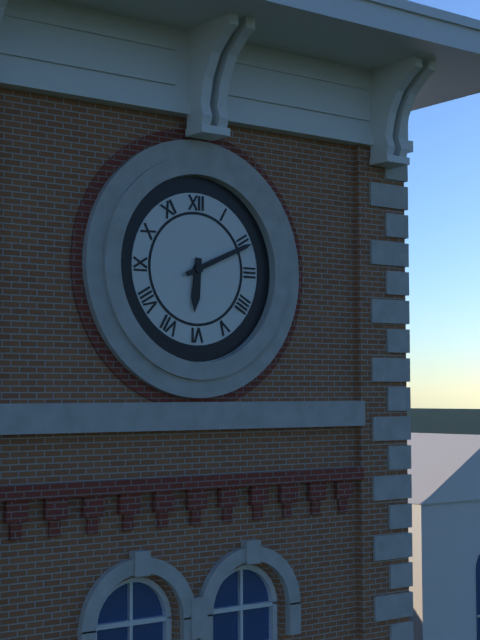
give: {"hour": 6, "minute": 11}
